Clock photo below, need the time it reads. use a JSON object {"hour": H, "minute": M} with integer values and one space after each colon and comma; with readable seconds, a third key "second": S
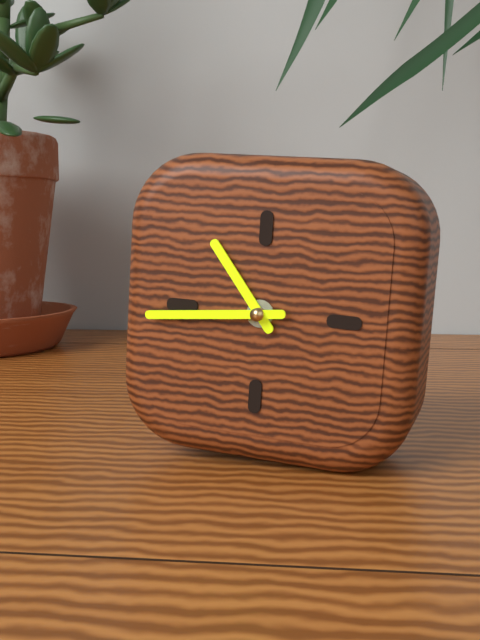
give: {"hour": 10, "minute": 44}
